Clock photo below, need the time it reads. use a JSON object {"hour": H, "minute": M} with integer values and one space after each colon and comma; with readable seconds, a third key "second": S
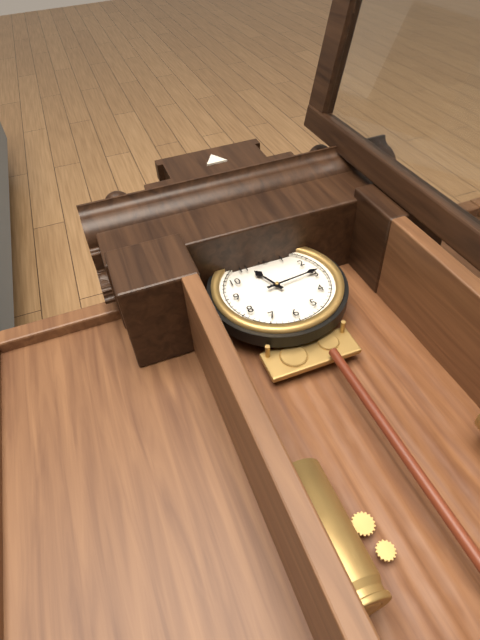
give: {"hour": 11, "minute": 14}
